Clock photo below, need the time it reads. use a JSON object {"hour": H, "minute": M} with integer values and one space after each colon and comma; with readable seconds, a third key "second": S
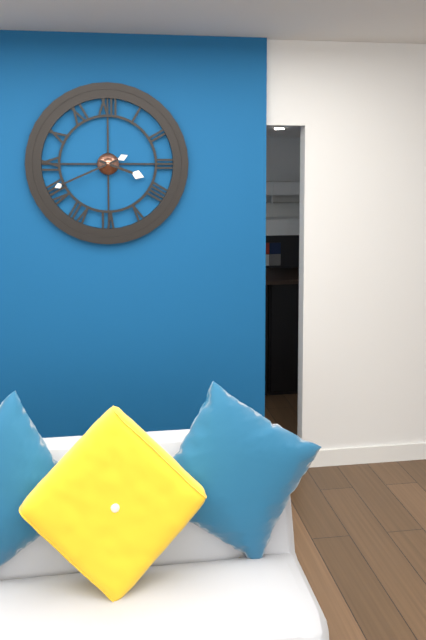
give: {"hour": 3, "minute": 41}
